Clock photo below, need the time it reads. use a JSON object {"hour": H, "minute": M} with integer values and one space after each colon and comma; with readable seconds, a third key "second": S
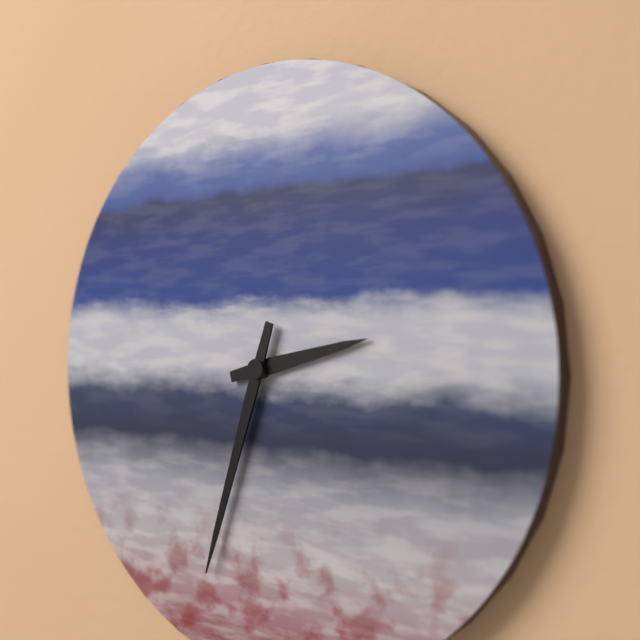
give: {"hour": 2, "minute": 33}
